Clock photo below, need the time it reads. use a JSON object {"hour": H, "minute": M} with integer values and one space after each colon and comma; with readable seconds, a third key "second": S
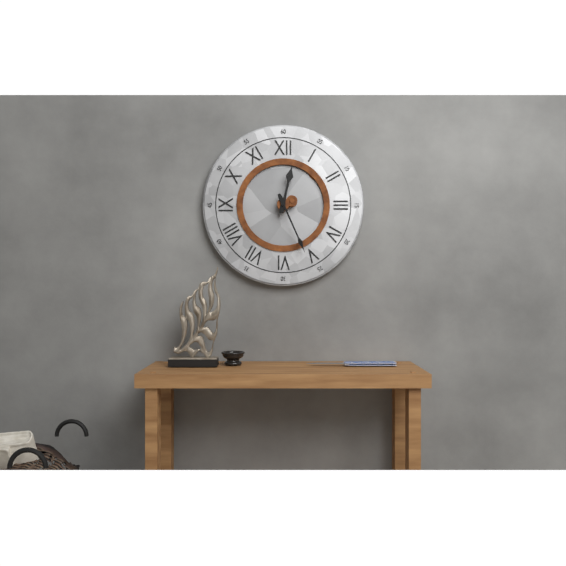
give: {"hour": 12, "minute": 26}
